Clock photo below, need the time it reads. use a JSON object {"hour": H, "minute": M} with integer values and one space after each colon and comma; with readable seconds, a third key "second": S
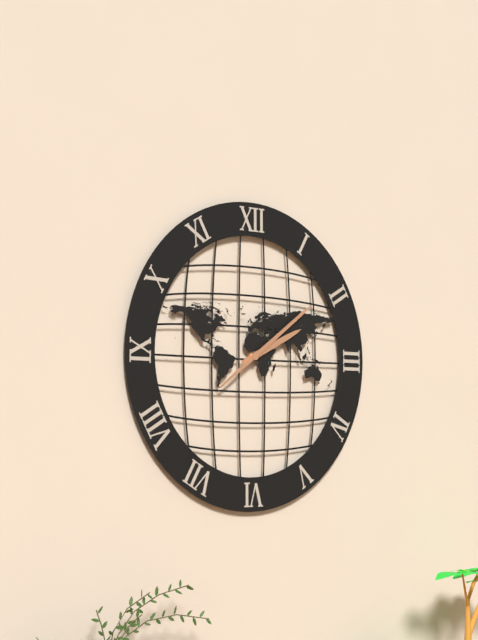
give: {"hour": 2, "minute": 9}
